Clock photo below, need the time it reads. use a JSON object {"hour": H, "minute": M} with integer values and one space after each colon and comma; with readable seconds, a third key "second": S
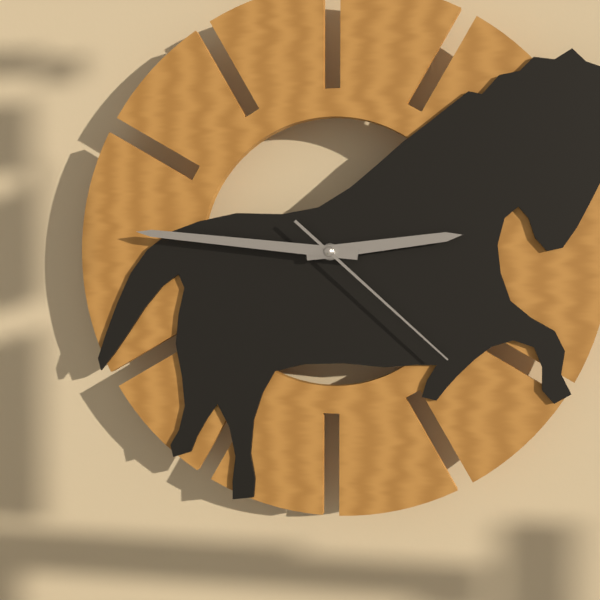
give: {"hour": 2, "minute": 46, "second": 22}
